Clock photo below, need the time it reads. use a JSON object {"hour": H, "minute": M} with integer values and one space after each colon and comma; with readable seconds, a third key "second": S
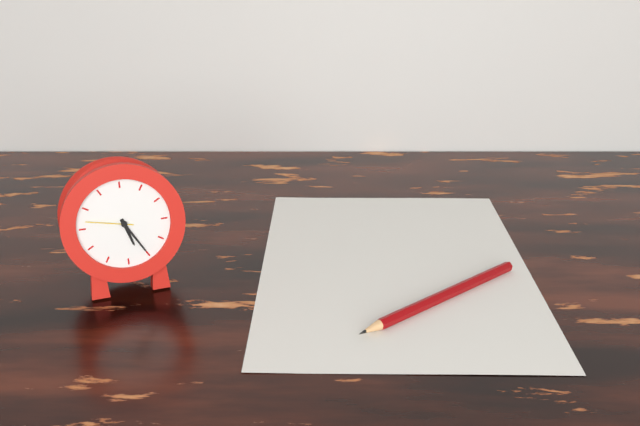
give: {"hour": 5, "minute": 25}
